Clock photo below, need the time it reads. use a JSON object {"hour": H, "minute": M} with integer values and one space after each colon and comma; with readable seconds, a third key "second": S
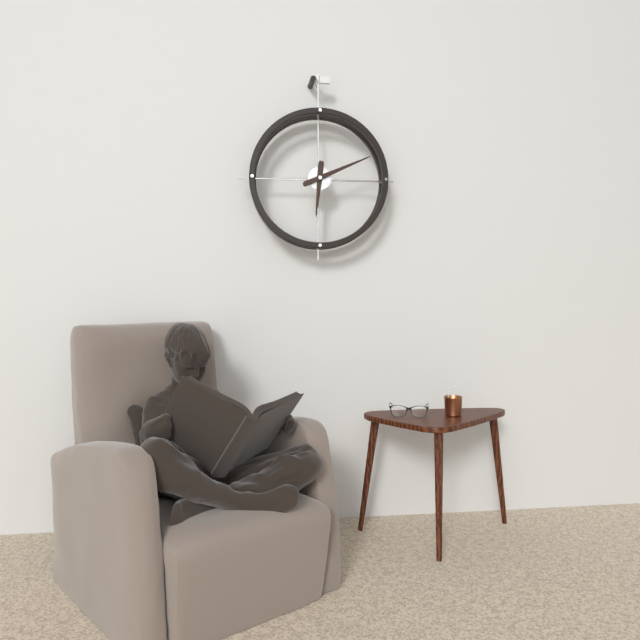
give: {"hour": 6, "minute": 11}
